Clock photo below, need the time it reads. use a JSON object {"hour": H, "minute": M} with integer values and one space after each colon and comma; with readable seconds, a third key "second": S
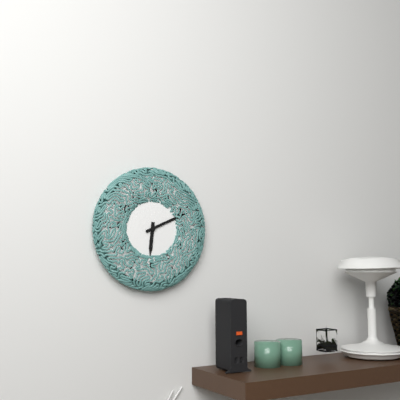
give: {"hour": 6, "minute": 11}
